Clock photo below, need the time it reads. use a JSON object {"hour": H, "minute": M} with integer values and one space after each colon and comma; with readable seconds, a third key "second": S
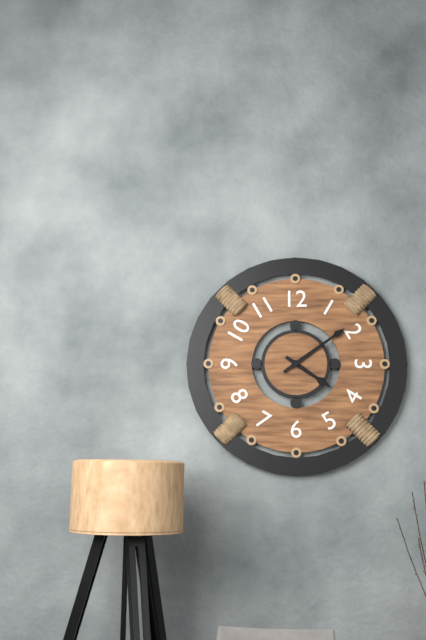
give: {"hour": 4, "minute": 9}
